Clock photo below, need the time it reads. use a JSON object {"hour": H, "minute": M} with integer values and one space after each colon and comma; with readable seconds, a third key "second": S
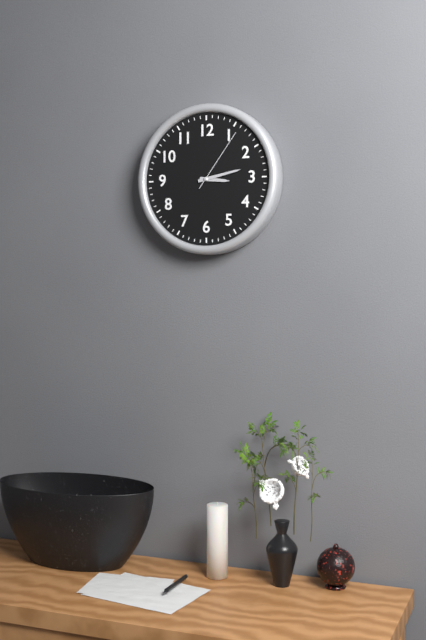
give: {"hour": 3, "minute": 13, "second": 6}
